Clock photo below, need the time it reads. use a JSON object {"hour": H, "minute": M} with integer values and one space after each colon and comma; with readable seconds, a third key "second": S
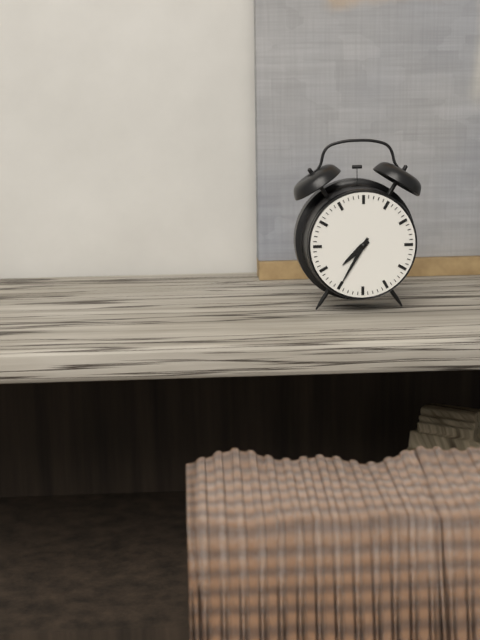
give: {"hour": 7, "minute": 35}
